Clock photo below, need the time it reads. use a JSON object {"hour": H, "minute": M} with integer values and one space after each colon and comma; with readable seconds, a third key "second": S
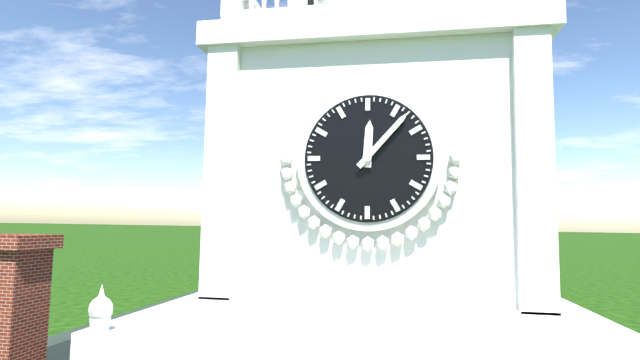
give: {"hour": 12, "minute": 7}
